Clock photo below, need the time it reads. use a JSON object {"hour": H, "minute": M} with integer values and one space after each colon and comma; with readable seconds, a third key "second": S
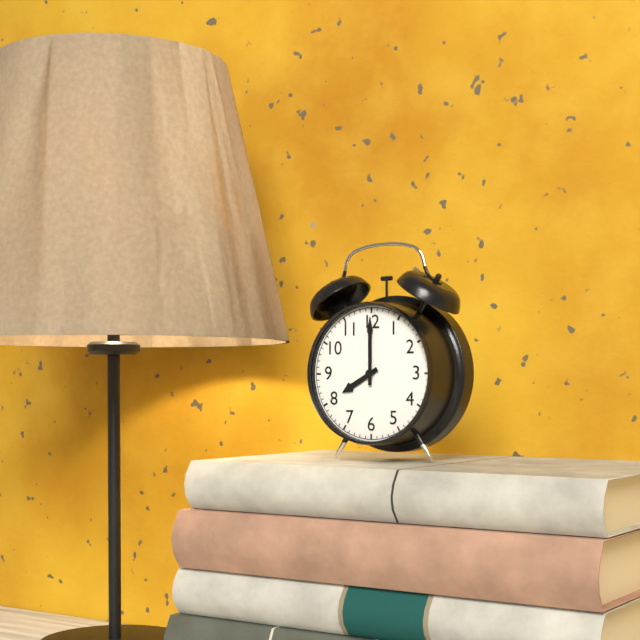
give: {"hour": 8, "minute": 0}
